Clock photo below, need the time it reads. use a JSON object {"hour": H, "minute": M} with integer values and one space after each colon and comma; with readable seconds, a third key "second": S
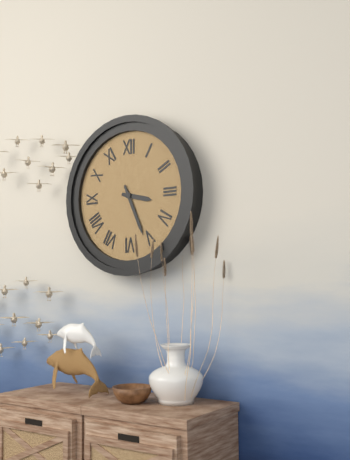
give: {"hour": 3, "minute": 26}
